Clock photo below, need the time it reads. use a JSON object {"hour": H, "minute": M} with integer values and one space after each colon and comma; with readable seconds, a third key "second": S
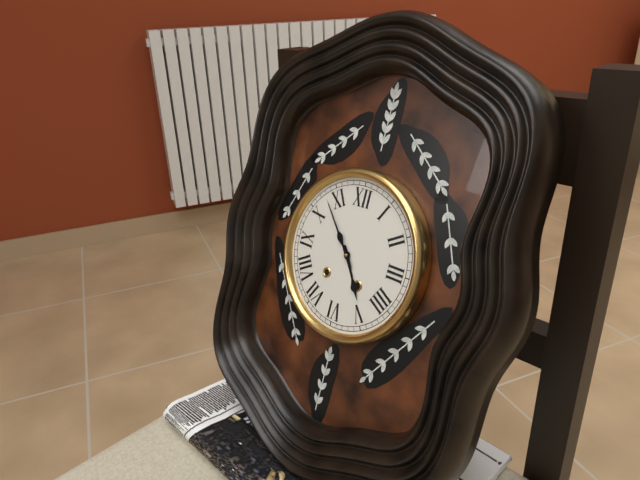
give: {"hour": 4, "minute": 53}
